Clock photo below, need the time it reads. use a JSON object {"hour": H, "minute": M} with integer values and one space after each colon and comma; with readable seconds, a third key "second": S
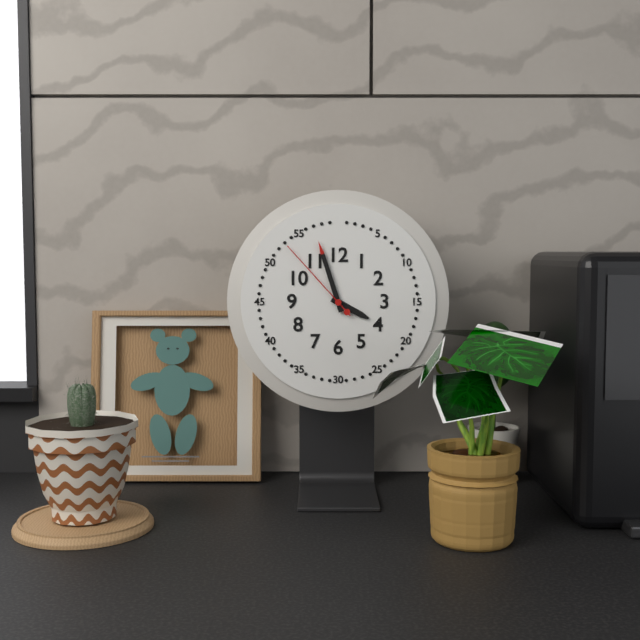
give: {"hour": 3, "minute": 57, "second": 53}
